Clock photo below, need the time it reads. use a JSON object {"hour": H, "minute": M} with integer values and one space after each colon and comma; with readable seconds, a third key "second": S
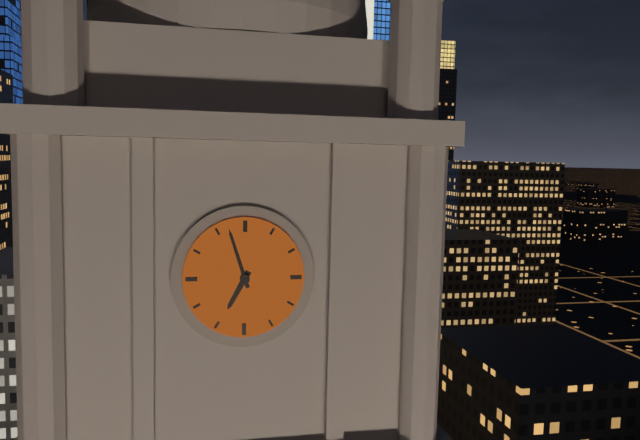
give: {"hour": 6, "minute": 57}
